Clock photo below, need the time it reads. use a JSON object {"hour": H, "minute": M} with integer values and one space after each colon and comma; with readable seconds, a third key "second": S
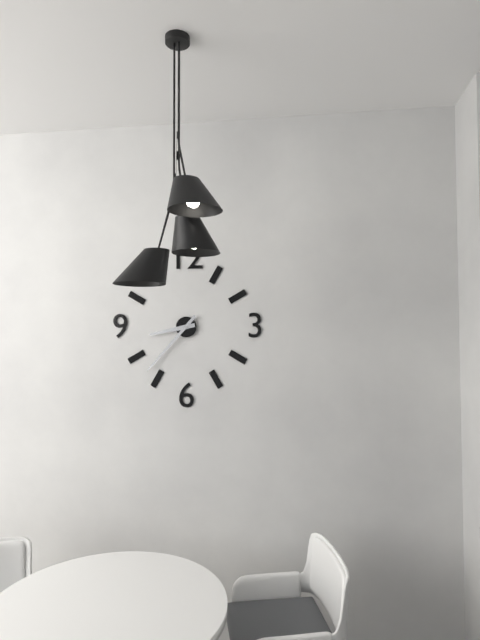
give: {"hour": 8, "minute": 37}
